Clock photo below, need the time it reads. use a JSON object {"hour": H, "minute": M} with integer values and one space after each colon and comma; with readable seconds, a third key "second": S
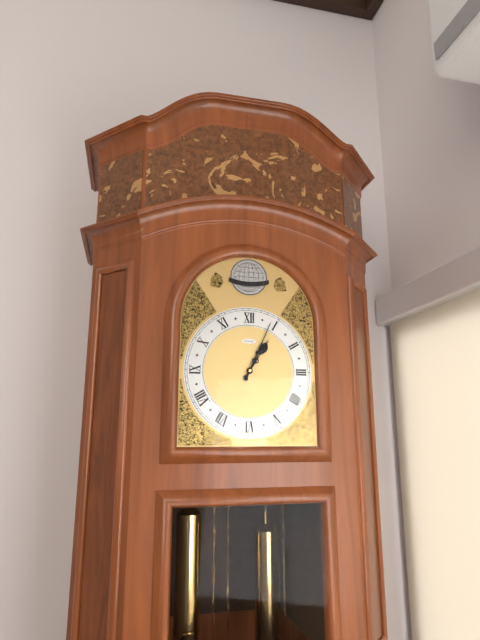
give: {"hour": 1, "minute": 4}
